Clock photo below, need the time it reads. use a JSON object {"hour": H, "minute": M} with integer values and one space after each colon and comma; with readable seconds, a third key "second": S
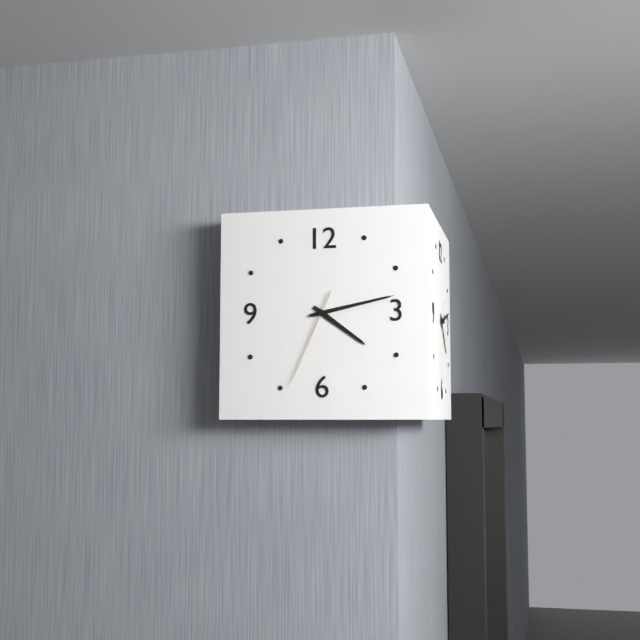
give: {"hour": 4, "minute": 13, "second": 34}
